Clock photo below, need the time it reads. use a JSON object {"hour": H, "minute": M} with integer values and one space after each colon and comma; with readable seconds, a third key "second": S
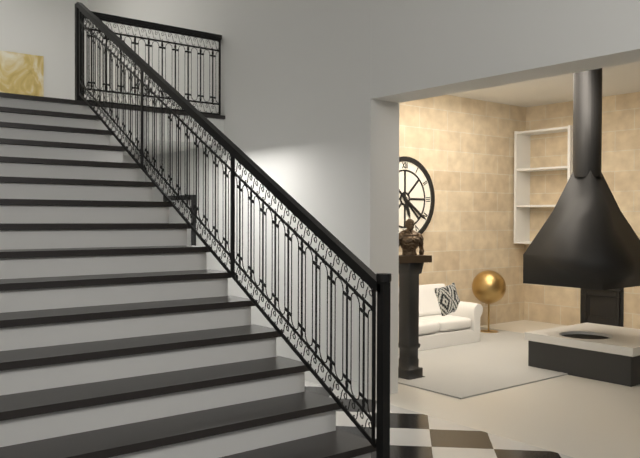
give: {"hour": 5, "minute": 21}
